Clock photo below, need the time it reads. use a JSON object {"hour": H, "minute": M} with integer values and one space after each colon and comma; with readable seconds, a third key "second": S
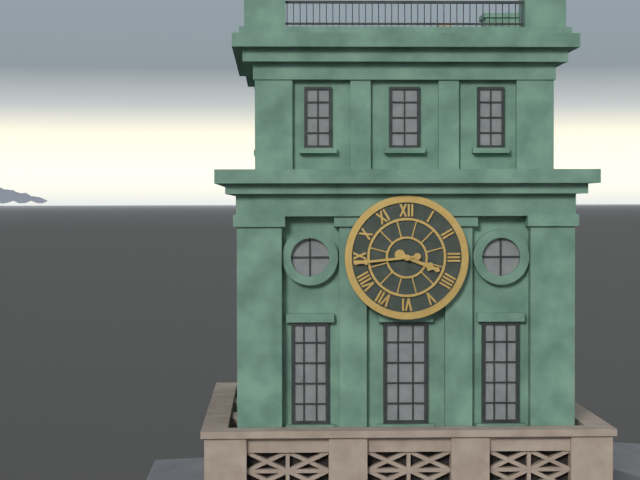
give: {"hour": 3, "minute": 44}
